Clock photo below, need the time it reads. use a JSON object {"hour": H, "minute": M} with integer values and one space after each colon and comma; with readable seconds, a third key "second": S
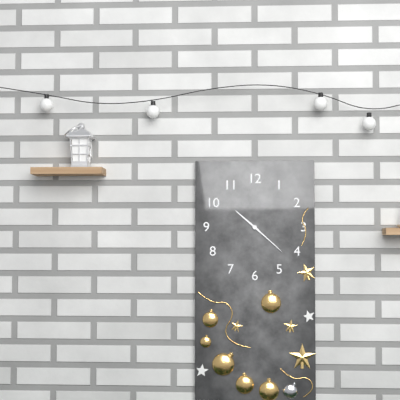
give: {"hour": 10, "minute": 22}
